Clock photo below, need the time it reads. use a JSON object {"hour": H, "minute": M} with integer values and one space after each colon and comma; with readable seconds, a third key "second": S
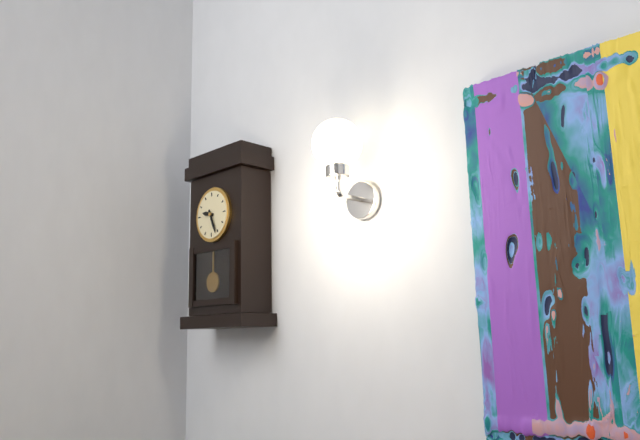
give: {"hour": 9, "minute": 26}
